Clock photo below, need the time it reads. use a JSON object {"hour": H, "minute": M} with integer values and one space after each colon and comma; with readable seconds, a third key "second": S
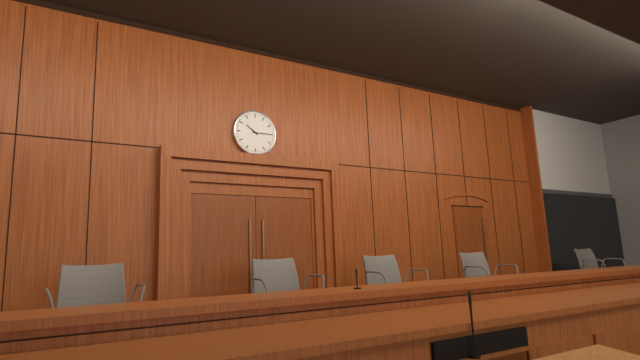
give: {"hour": 10, "minute": 15}
